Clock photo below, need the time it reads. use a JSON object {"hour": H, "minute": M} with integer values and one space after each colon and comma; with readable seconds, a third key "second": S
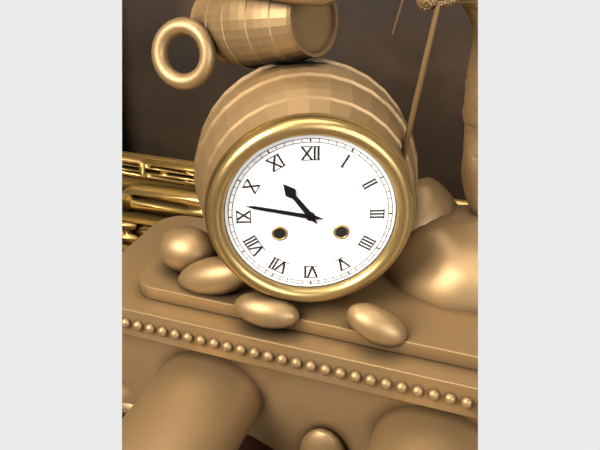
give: {"hour": 10, "minute": 47}
